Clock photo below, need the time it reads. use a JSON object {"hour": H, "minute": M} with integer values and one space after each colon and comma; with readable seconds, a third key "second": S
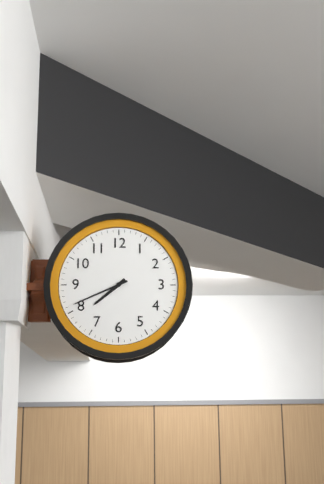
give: {"hour": 7, "minute": 41}
